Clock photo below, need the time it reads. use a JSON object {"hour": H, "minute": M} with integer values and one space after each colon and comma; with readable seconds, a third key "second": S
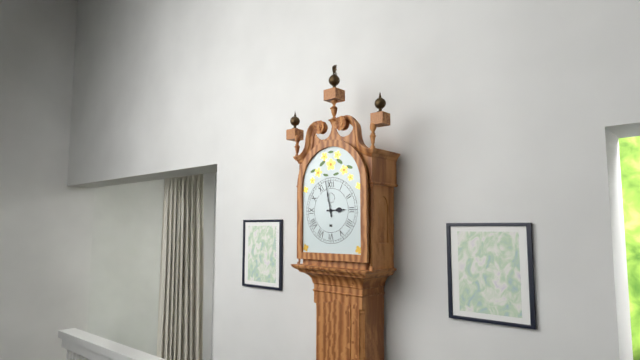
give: {"hour": 2, "minute": 58}
